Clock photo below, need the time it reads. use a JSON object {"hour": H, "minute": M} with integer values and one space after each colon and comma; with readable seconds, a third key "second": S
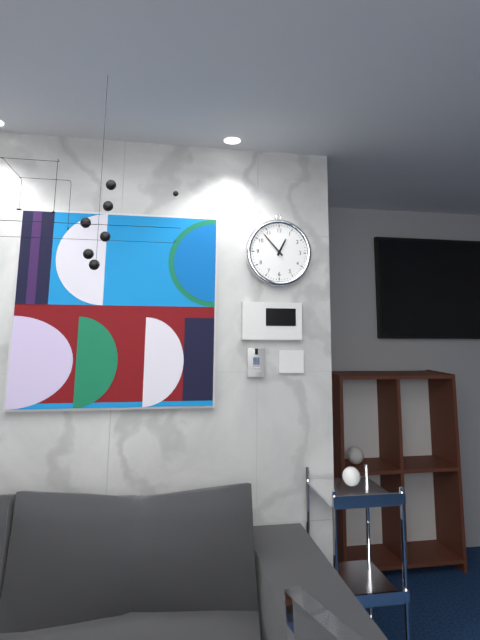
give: {"hour": 12, "minute": 53}
